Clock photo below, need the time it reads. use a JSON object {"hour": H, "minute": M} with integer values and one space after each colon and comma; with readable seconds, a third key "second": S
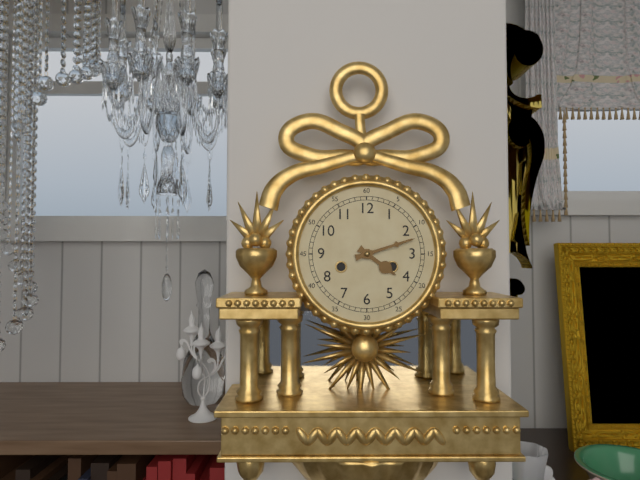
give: {"hour": 4, "minute": 12}
